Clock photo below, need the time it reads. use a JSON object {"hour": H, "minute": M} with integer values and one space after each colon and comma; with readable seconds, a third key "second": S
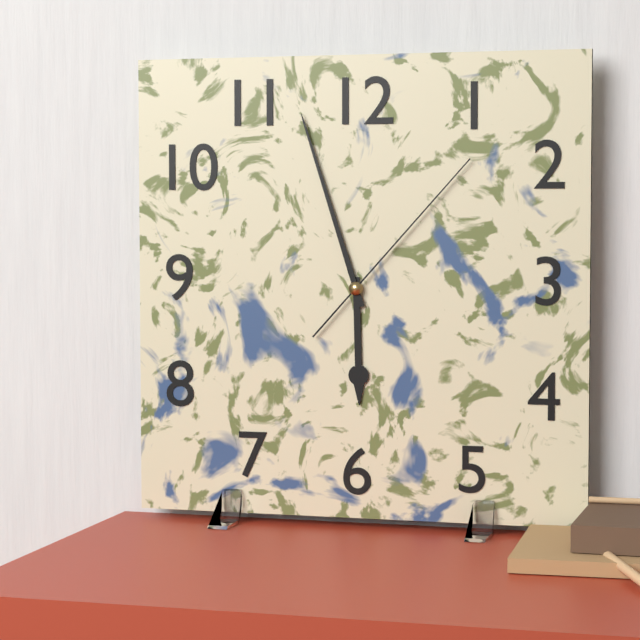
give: {"hour": 5, "minute": 57, "second": 7}
